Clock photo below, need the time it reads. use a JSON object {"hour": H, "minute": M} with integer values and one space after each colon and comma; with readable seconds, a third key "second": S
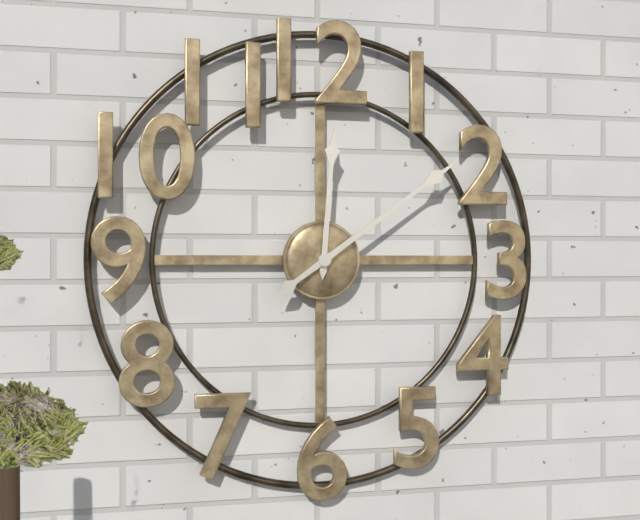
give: {"hour": 12, "minute": 9}
